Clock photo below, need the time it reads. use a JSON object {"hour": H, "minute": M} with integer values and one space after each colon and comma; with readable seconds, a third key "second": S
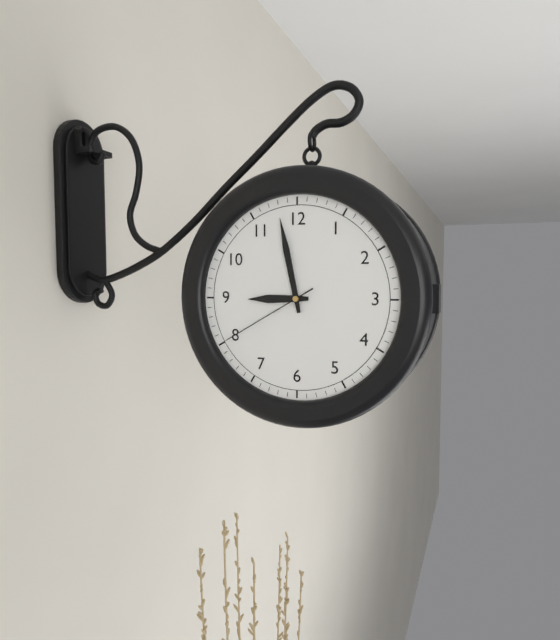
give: {"hour": 8, "minute": 58, "second": 40}
